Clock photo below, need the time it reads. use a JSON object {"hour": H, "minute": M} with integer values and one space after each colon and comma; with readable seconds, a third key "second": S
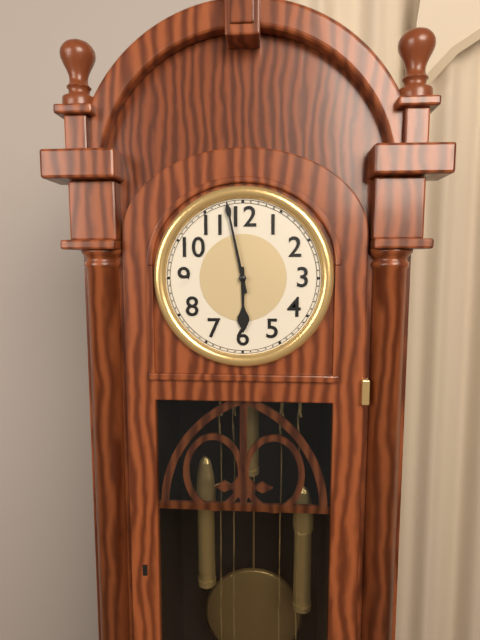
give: {"hour": 5, "minute": 58}
